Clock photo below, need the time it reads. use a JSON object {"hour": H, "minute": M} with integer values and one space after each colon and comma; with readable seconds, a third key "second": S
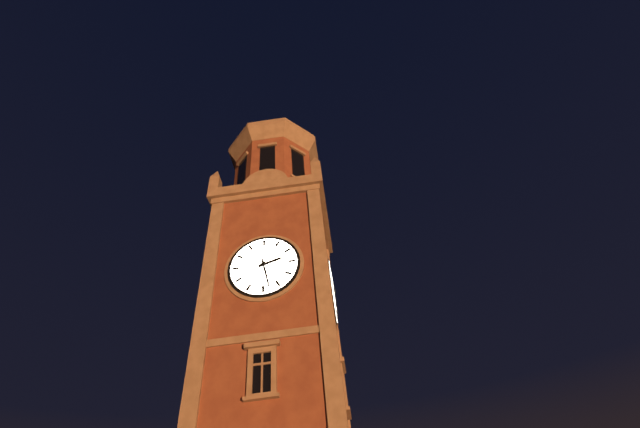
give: {"hour": 2, "minute": 28}
